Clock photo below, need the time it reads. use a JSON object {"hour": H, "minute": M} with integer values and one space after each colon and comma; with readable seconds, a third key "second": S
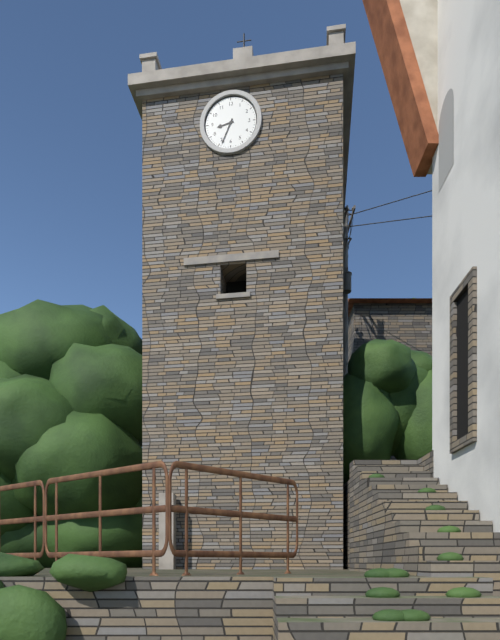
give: {"hour": 8, "minute": 34}
